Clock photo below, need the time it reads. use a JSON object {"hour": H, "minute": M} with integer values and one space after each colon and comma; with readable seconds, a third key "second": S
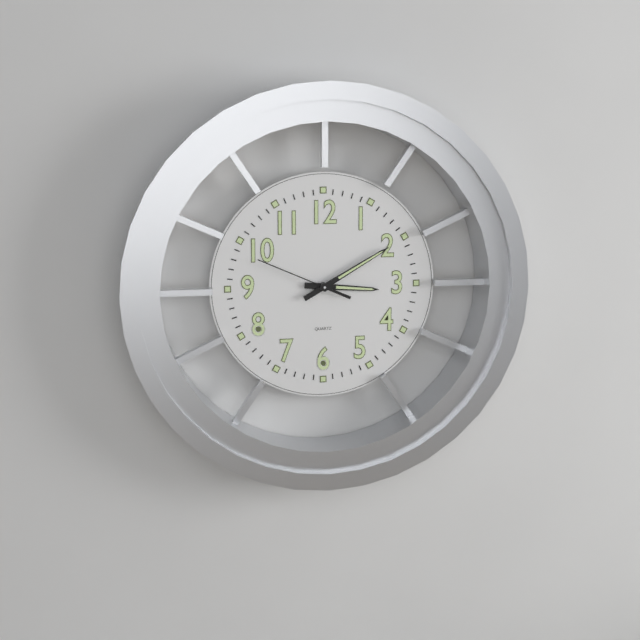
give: {"hour": 3, "minute": 10, "second": 49}
